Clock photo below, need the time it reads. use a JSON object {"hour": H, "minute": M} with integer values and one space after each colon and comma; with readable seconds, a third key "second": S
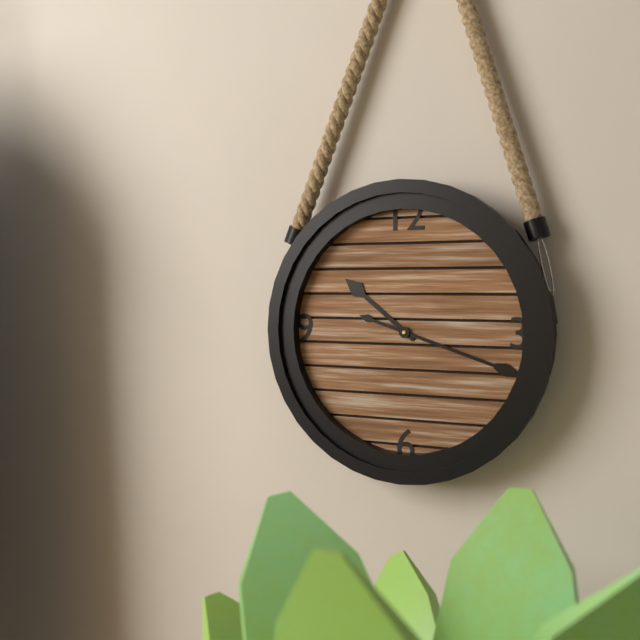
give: {"hour": 10, "minute": 18}
